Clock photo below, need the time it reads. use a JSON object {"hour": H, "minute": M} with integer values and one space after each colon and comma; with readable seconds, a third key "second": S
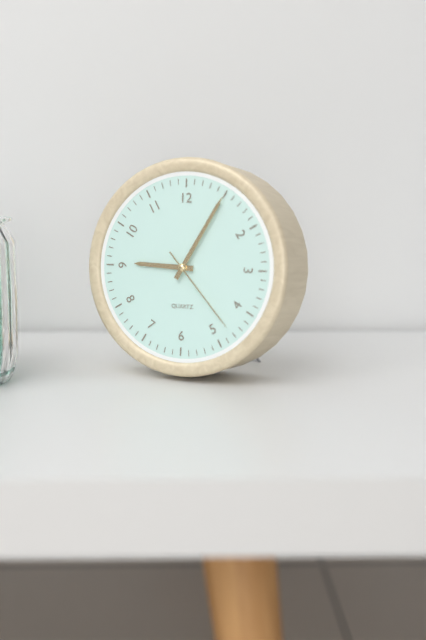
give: {"hour": 9, "minute": 5, "second": 23}
